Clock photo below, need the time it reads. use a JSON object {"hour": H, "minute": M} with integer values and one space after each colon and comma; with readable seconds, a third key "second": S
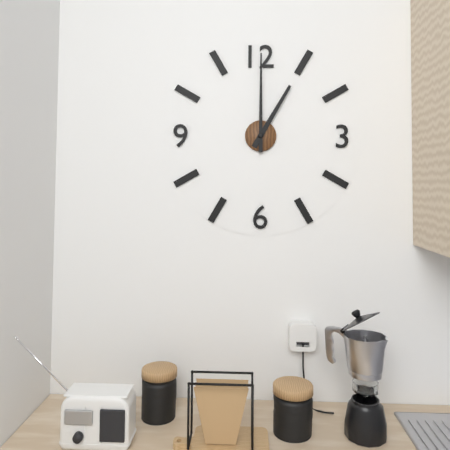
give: {"hour": 1, "minute": 0}
